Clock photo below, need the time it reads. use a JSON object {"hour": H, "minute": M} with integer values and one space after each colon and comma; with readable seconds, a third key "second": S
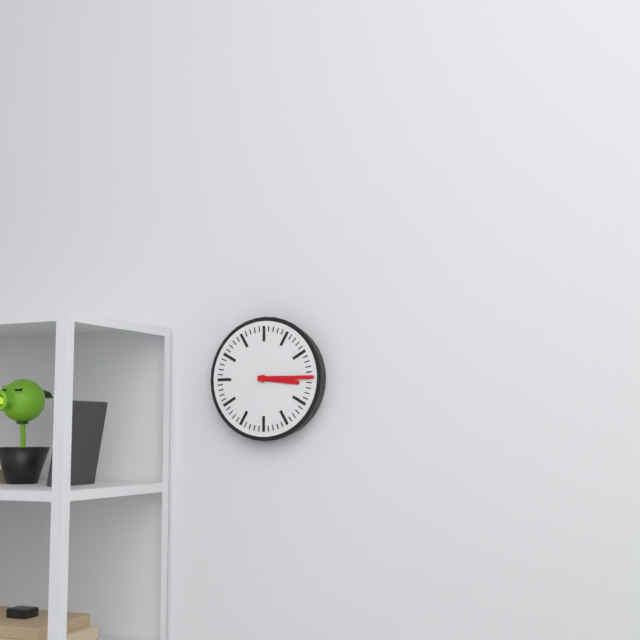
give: {"hour": 3, "minute": 15}
